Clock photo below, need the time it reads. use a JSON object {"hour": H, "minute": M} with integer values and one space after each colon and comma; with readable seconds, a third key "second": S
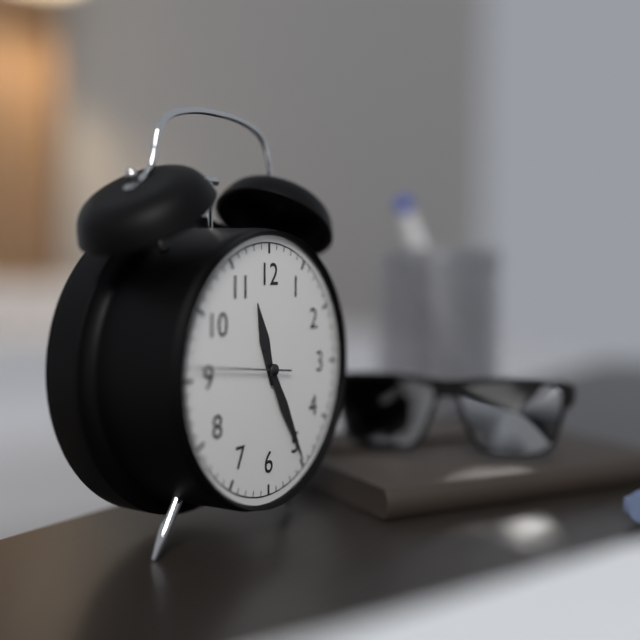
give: {"hour": 11, "minute": 25, "second": 46}
